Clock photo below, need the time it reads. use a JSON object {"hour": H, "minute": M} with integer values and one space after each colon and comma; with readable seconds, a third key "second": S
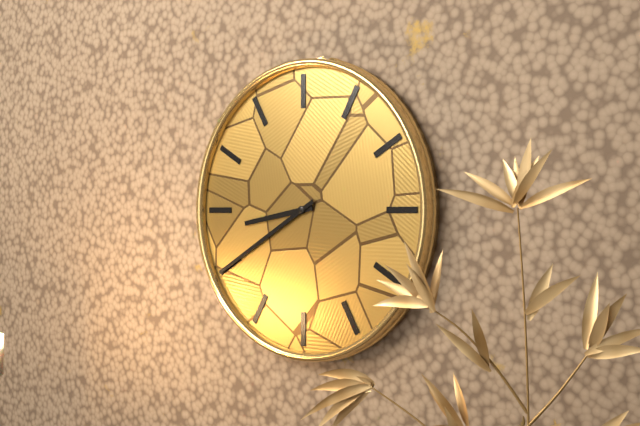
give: {"hour": 8, "minute": 40}
